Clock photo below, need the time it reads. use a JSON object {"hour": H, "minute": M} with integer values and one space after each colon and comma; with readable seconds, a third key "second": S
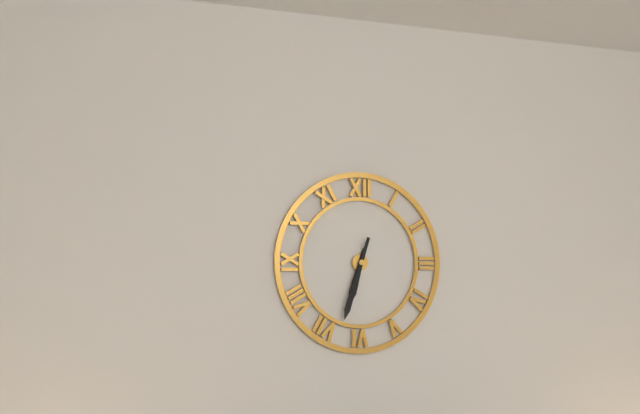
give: {"hour": 6, "minute": 33}
